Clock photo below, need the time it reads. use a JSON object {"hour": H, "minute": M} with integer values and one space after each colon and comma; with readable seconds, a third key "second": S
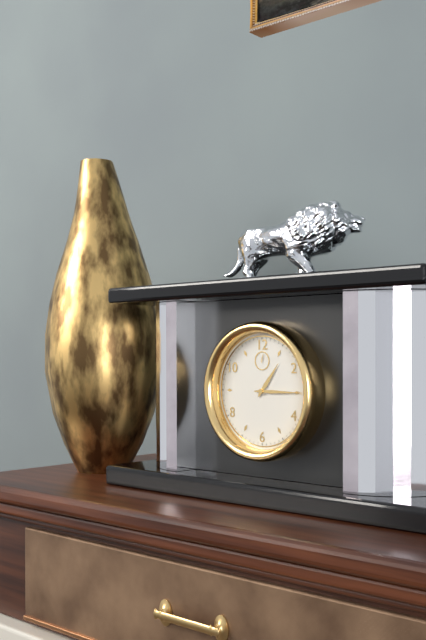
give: {"hour": 1, "minute": 15}
